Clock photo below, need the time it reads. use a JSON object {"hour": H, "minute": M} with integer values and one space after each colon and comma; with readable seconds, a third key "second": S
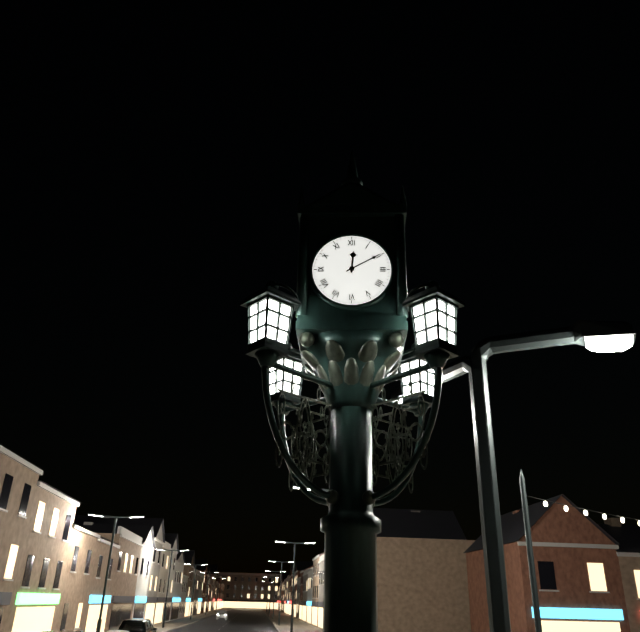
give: {"hour": 12, "minute": 10}
